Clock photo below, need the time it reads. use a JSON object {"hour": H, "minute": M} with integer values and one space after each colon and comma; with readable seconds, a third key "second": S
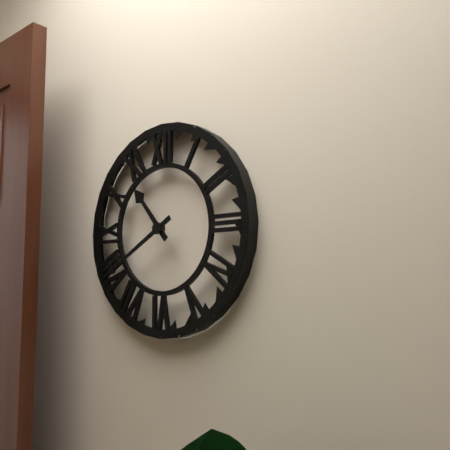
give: {"hour": 10, "minute": 40}
